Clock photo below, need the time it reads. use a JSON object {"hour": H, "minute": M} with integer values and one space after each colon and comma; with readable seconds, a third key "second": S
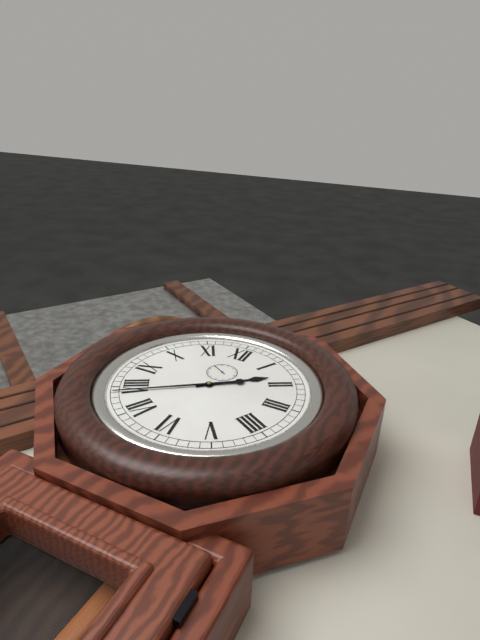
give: {"hour": 1, "minute": 39}
